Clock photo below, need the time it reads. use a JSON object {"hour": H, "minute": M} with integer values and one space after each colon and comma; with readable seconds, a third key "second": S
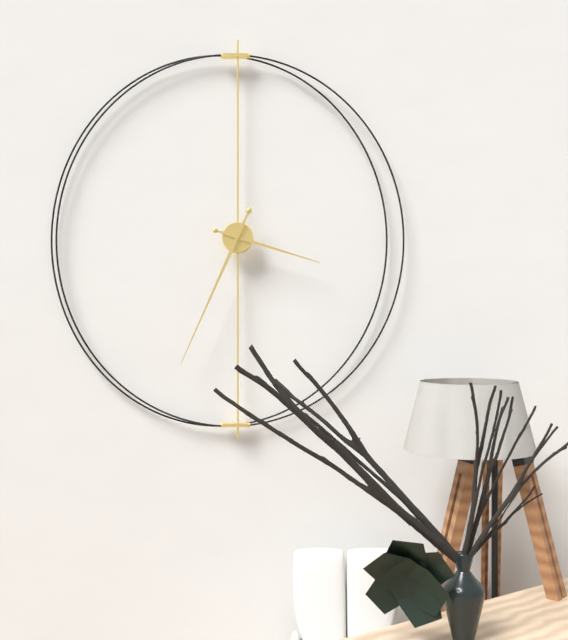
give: {"hour": 3, "minute": 34}
